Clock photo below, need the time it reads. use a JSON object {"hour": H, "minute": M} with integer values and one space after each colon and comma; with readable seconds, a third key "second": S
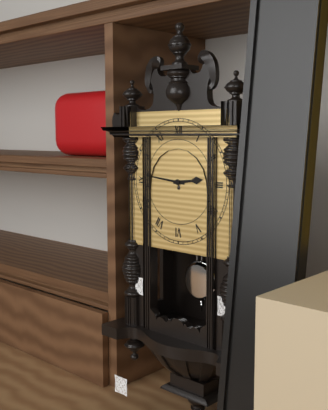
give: {"hour": 2, "minute": 46}
